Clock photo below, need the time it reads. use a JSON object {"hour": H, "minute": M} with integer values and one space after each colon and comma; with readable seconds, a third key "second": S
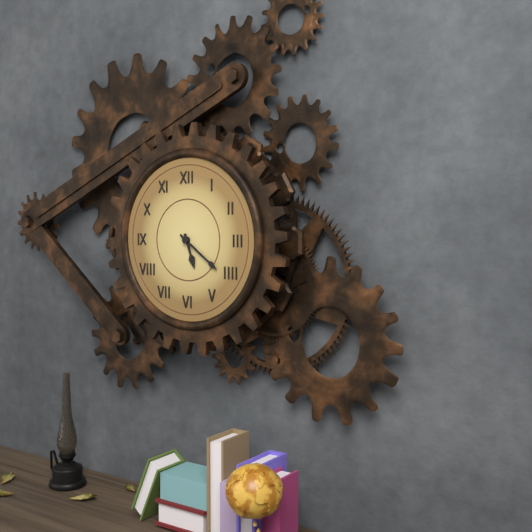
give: {"hour": 5, "minute": 21}
